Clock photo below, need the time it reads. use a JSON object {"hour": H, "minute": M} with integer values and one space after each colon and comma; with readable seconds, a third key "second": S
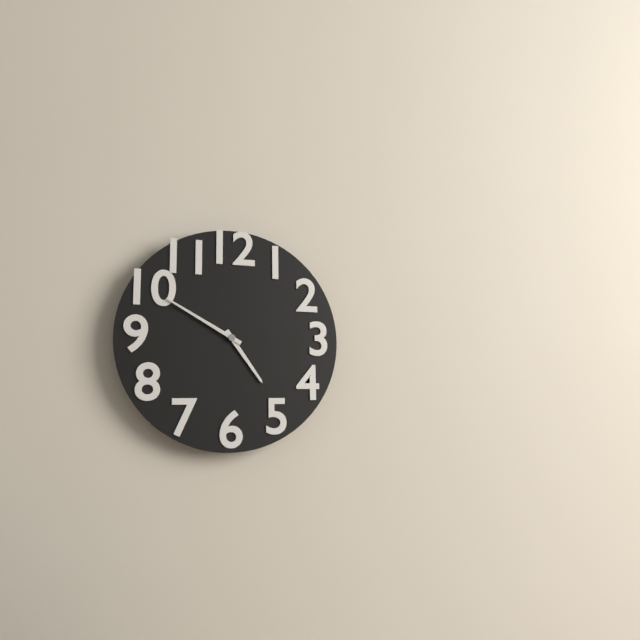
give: {"hour": 4, "minute": 50}
